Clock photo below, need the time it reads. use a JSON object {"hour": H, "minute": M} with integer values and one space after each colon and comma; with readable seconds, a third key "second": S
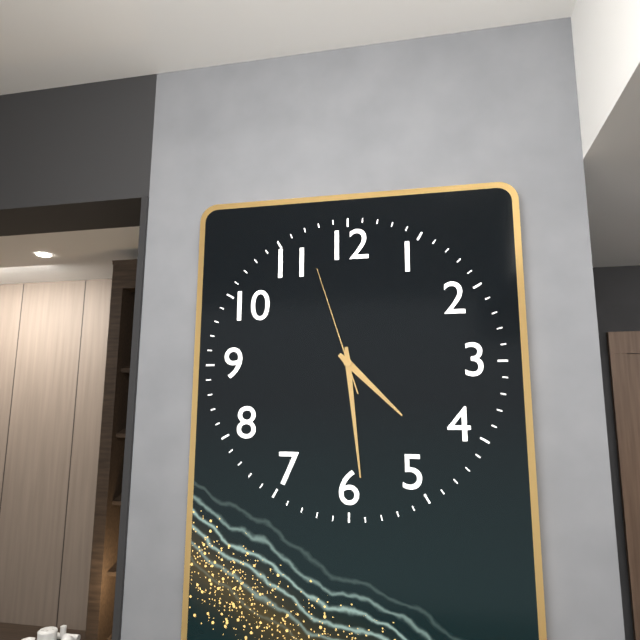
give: {"hour": 4, "minute": 29, "second": 57}
